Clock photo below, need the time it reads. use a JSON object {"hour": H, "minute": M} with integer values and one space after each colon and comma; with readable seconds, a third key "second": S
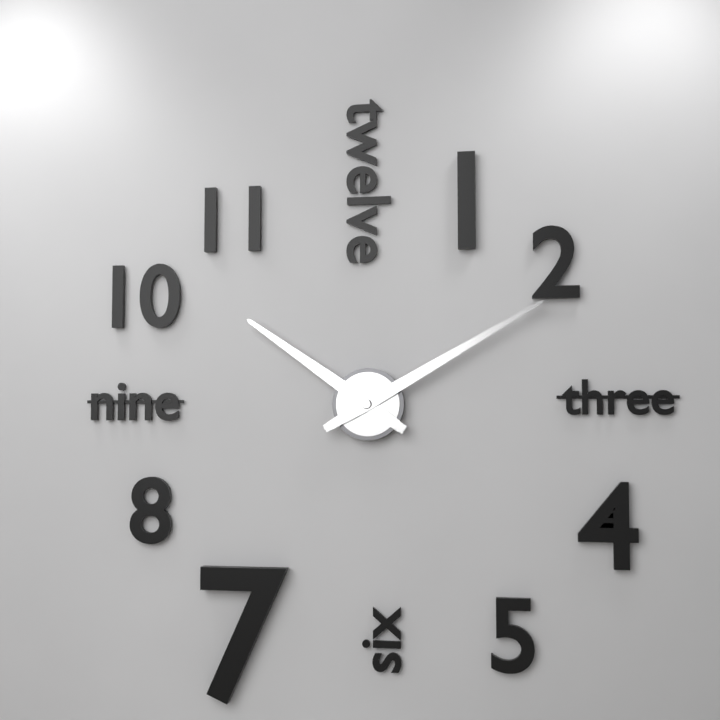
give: {"hour": 10, "minute": 10}
